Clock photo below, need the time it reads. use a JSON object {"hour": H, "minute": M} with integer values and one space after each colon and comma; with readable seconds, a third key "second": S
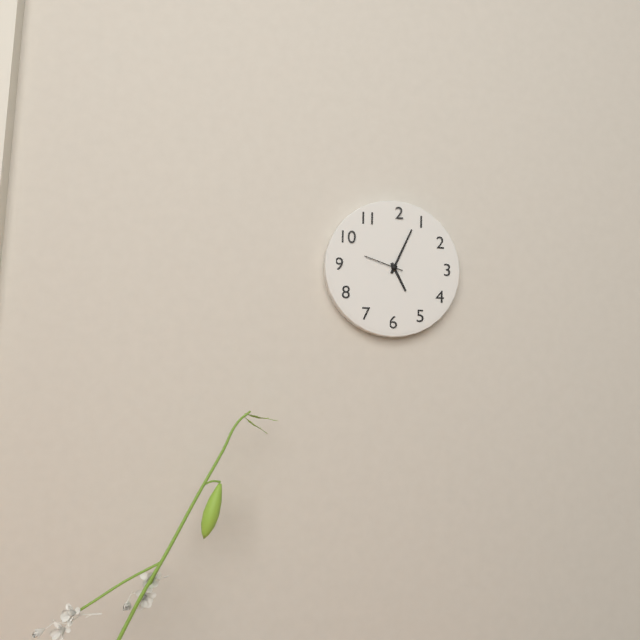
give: {"hour": 5, "minute": 4}
